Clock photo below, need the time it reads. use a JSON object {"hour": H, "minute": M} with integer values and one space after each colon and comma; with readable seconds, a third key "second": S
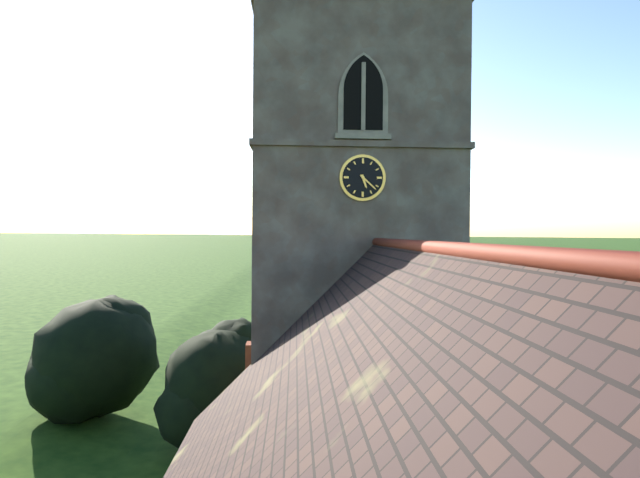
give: {"hour": 5, "minute": 22}
